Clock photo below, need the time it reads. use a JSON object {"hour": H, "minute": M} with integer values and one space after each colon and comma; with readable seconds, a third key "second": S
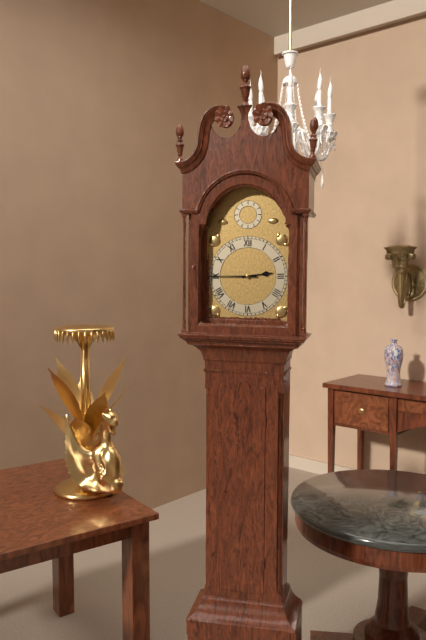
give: {"hour": 2, "minute": 45}
